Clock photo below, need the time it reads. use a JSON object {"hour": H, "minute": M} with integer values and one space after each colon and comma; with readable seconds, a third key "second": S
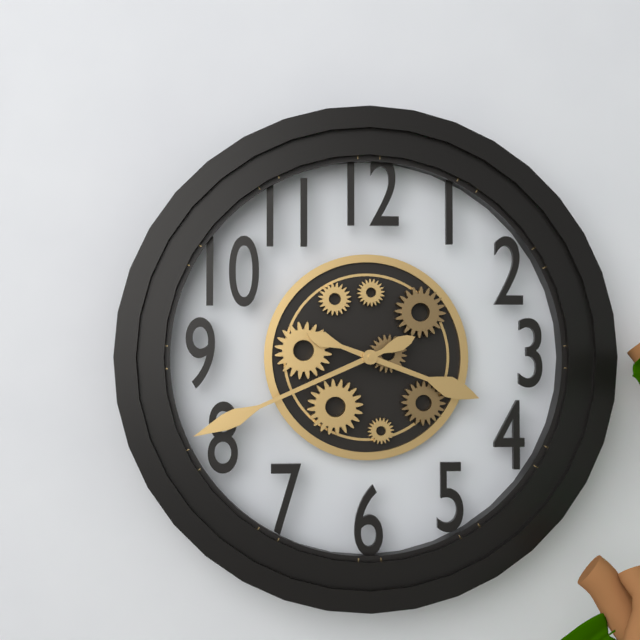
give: {"hour": 3, "minute": 41}
